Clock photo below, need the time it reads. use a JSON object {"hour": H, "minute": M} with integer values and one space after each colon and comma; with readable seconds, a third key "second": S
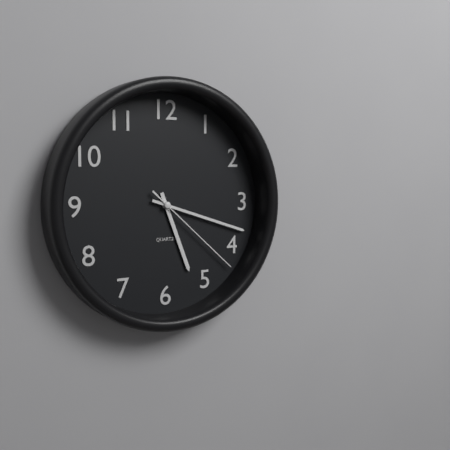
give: {"hour": 5, "minute": 18, "second": 22}
